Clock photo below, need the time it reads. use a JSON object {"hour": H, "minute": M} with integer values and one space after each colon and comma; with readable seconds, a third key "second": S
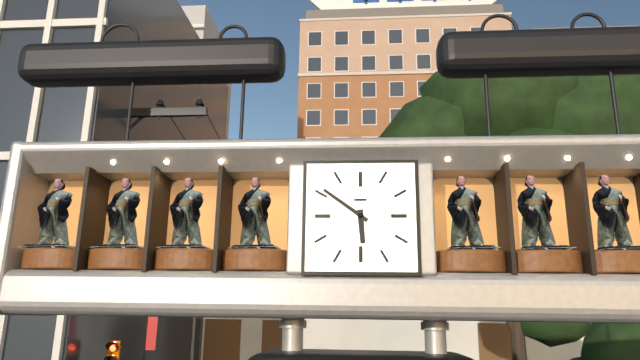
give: {"hour": 5, "minute": 51}
